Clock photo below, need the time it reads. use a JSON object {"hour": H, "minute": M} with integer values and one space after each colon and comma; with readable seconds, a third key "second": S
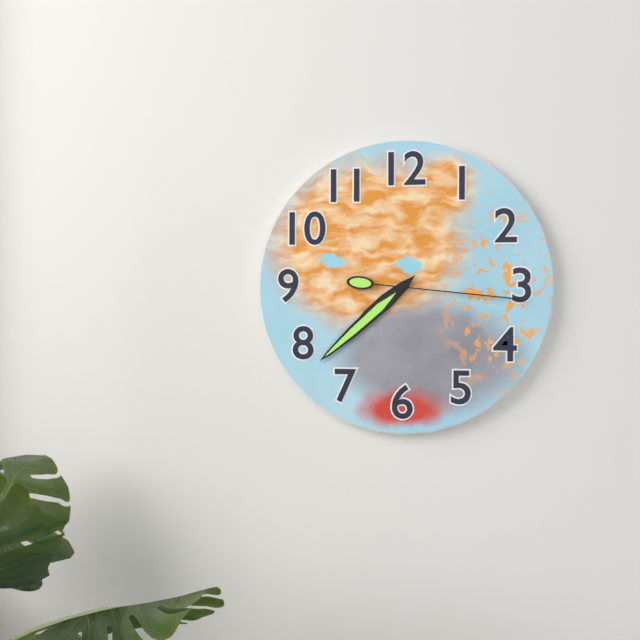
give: {"hour": 7, "minute": 38, "second": 16}
